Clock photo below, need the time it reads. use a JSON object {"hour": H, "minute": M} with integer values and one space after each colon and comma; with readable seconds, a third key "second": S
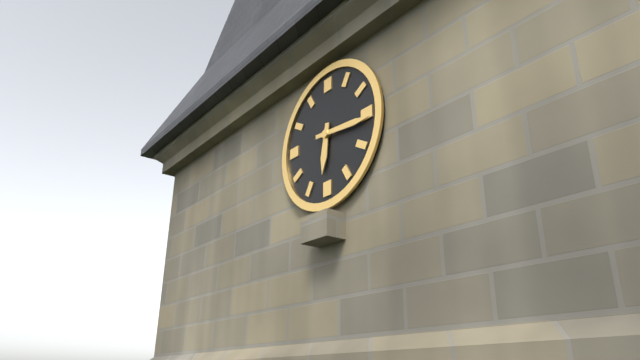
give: {"hour": 6, "minute": 16}
